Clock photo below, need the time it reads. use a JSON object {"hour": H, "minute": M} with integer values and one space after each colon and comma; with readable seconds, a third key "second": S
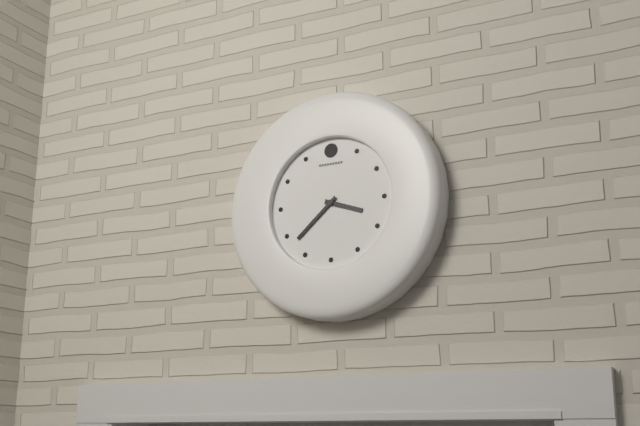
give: {"hour": 3, "minute": 38}
